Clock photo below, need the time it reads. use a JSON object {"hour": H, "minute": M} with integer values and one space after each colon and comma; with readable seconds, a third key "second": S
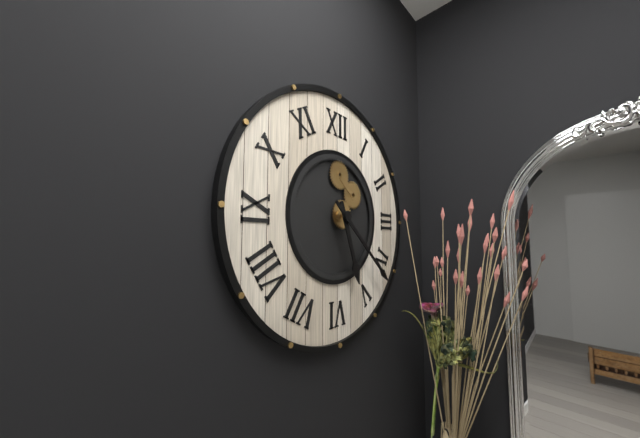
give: {"hour": 5, "minute": 22}
